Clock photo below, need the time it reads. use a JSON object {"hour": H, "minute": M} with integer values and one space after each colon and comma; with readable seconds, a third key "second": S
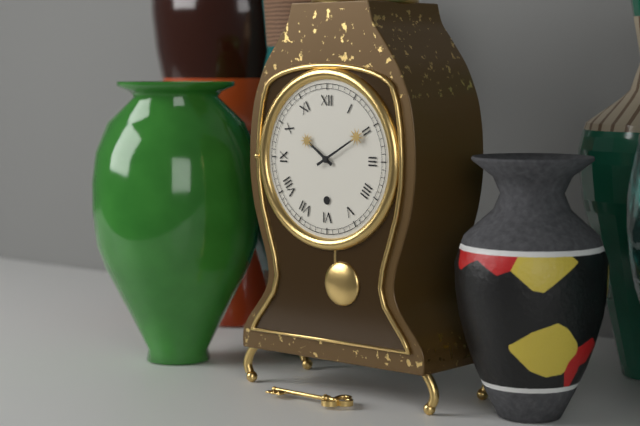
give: {"hour": 10, "minute": 10}
